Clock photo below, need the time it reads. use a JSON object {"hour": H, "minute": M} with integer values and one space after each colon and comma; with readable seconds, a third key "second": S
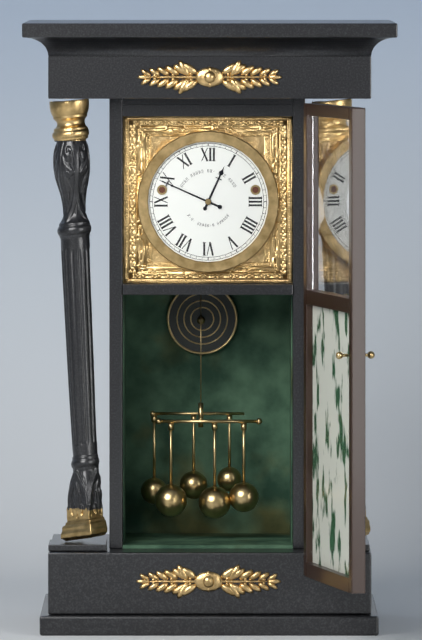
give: {"hour": 12, "minute": 49}
